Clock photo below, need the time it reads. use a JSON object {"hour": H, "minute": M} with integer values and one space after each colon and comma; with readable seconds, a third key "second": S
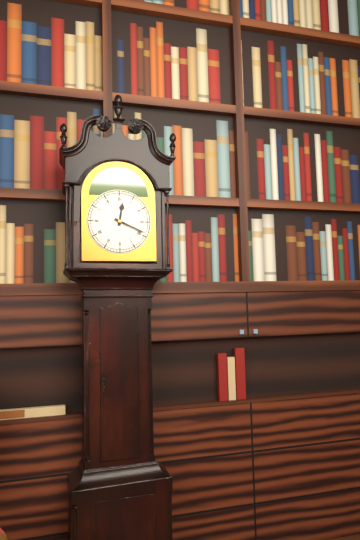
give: {"hour": 12, "minute": 19}
